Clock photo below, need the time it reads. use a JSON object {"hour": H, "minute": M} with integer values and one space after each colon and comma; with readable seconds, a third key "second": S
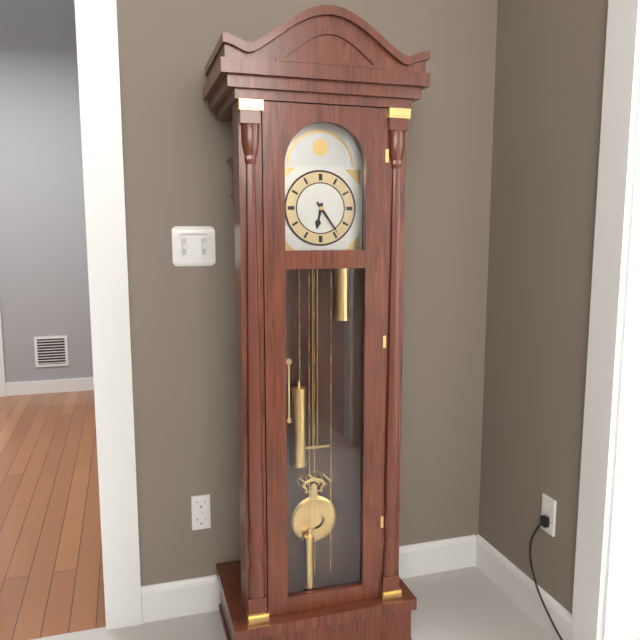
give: {"hour": 6, "minute": 24}
